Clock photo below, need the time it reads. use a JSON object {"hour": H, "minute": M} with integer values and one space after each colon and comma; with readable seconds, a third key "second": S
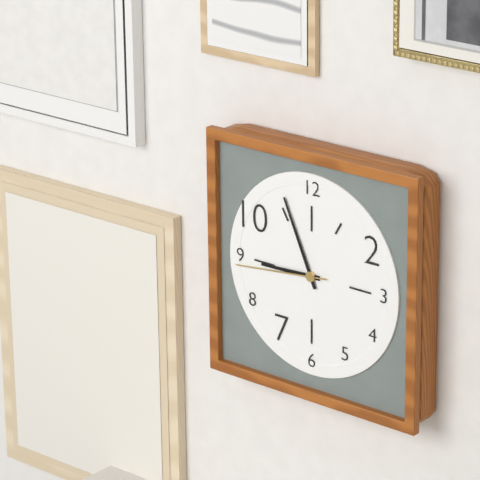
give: {"hour": 8, "minute": 56, "second": 44}
